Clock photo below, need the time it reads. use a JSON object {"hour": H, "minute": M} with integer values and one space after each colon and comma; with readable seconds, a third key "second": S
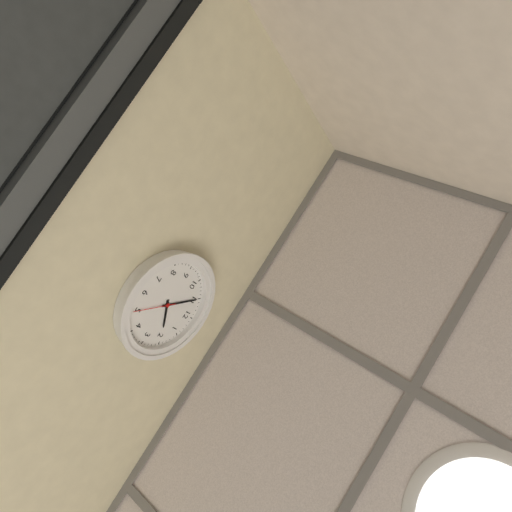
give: {"hour": 1, "minute": 55}
